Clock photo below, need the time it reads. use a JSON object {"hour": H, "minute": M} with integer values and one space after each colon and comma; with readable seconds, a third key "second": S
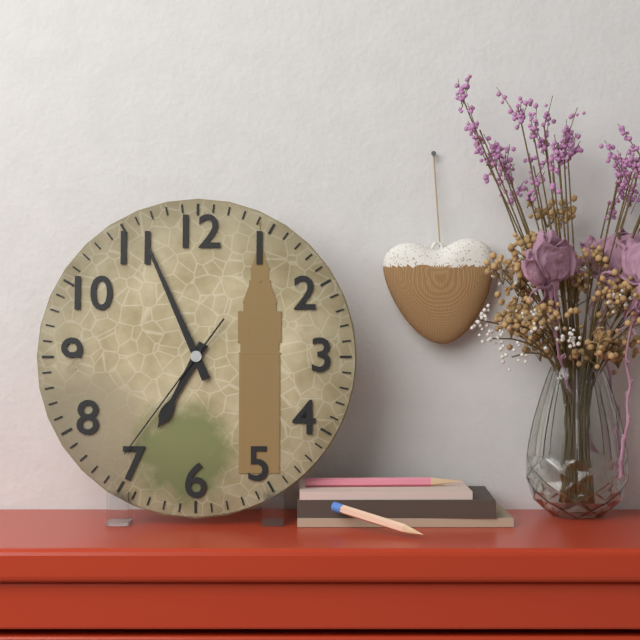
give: {"hour": 6, "minute": 56, "second": 36}
